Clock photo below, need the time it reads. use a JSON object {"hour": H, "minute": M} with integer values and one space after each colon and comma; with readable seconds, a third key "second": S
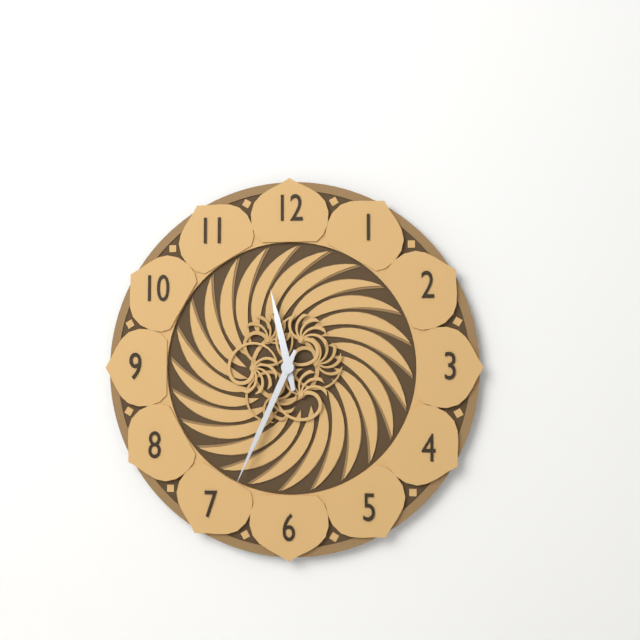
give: {"hour": 11, "minute": 34}
